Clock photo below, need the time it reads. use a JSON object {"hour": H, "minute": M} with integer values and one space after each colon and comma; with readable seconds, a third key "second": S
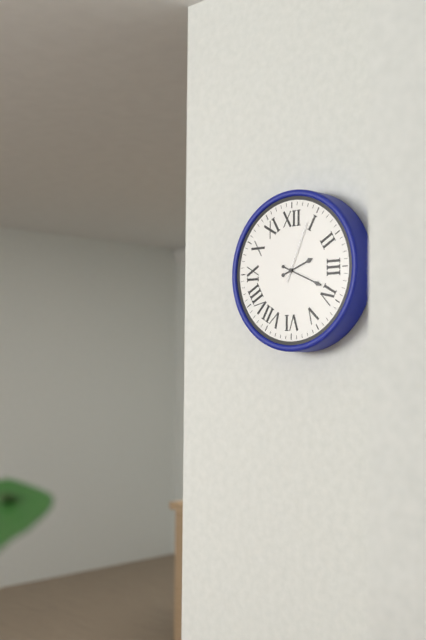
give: {"hour": 2, "minute": 19, "second": 4}
